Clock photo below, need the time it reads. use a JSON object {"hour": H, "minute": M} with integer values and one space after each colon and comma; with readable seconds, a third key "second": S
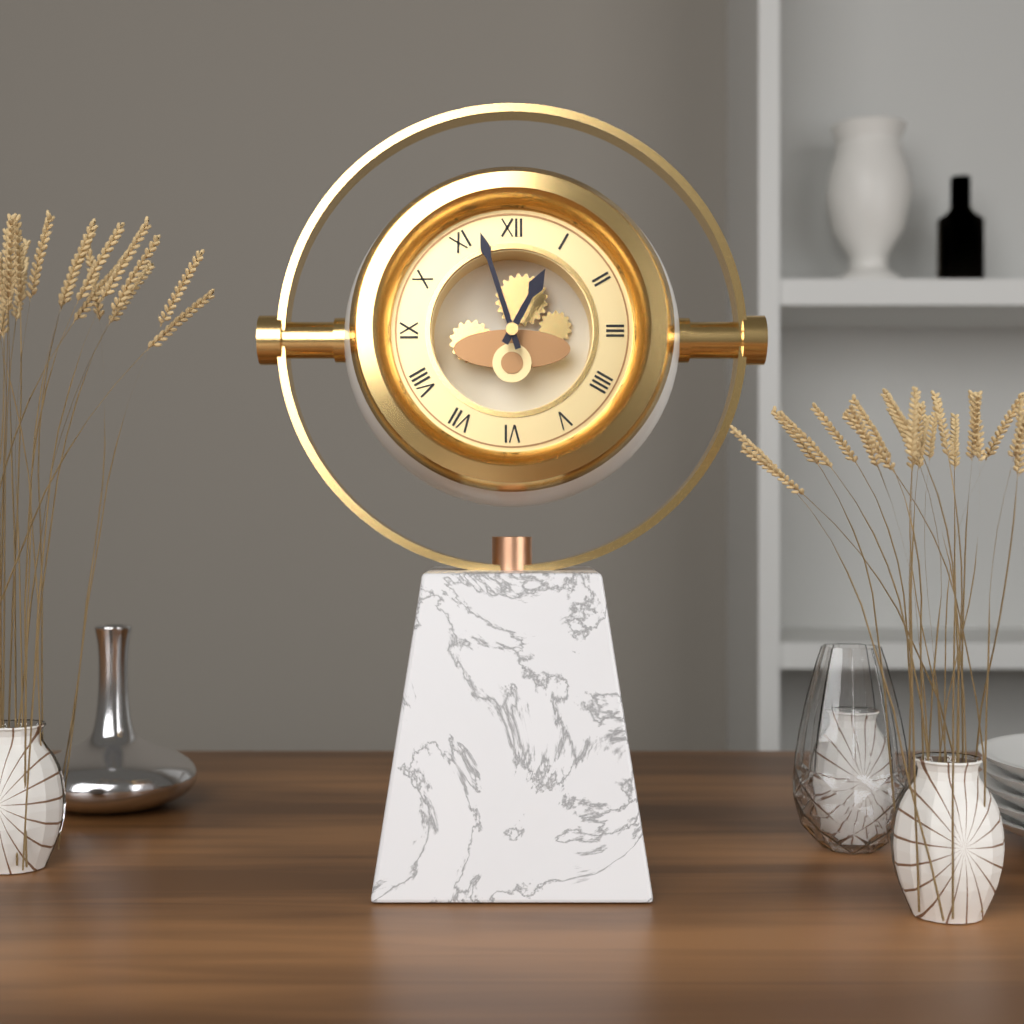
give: {"hour": 12, "minute": 57}
